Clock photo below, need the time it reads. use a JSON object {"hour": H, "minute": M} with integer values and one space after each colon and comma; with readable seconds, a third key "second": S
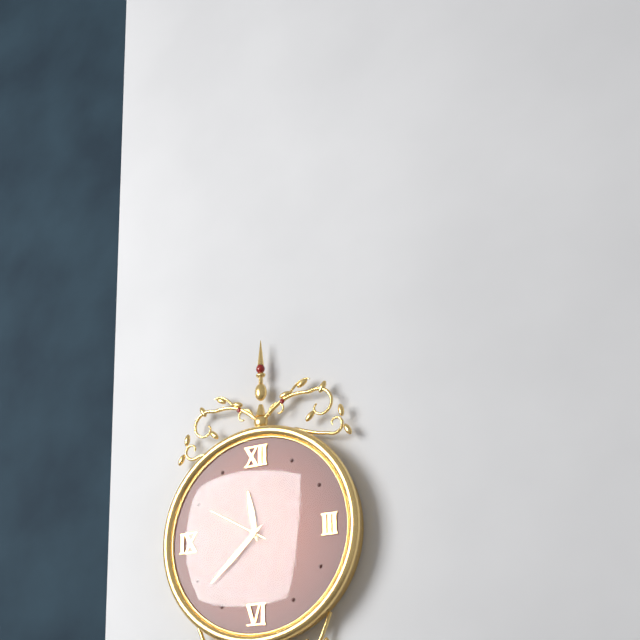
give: {"hour": 11, "minute": 38, "second": 50}
